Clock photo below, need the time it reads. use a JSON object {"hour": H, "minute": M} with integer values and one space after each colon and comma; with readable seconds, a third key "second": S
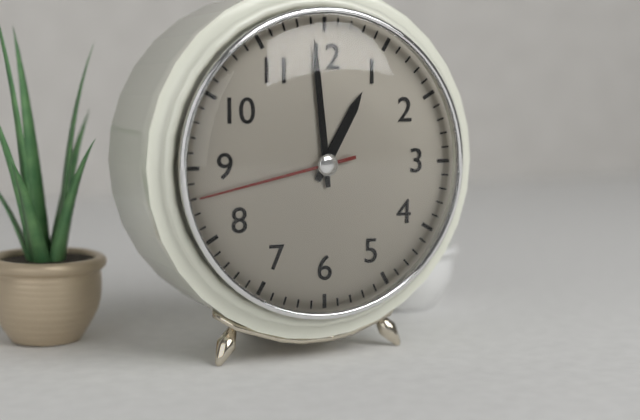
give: {"hour": 12, "minute": 59, "second": 43}
